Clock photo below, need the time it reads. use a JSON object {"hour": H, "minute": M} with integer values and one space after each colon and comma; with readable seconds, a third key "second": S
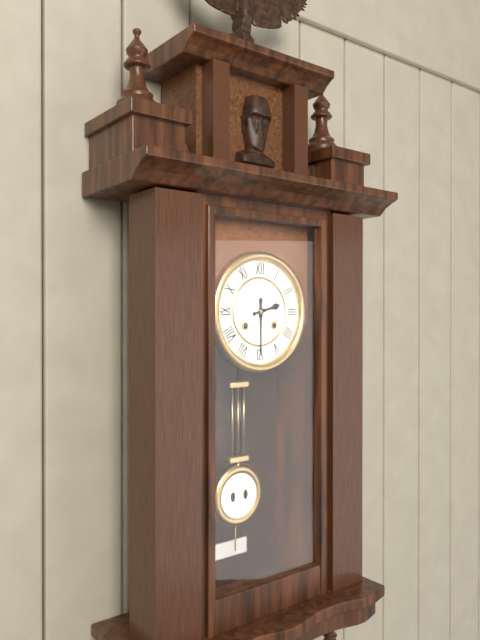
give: {"hour": 2, "minute": 30}
